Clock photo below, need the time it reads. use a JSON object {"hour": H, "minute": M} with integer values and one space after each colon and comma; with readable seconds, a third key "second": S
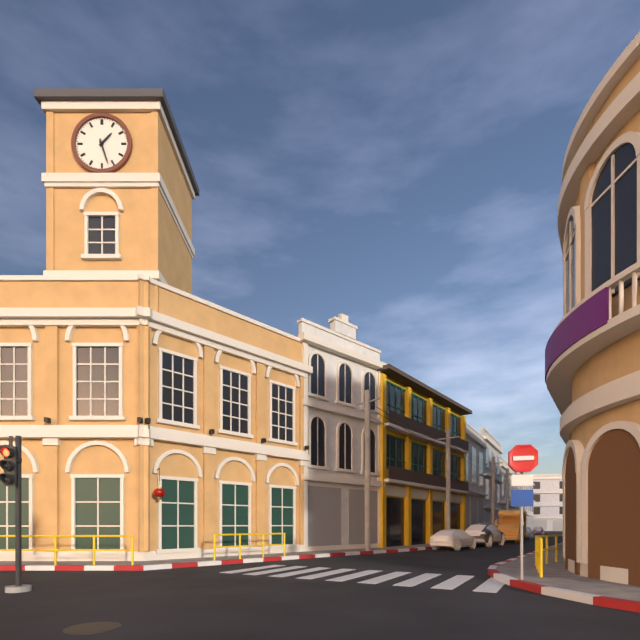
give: {"hour": 1, "minute": 27}
